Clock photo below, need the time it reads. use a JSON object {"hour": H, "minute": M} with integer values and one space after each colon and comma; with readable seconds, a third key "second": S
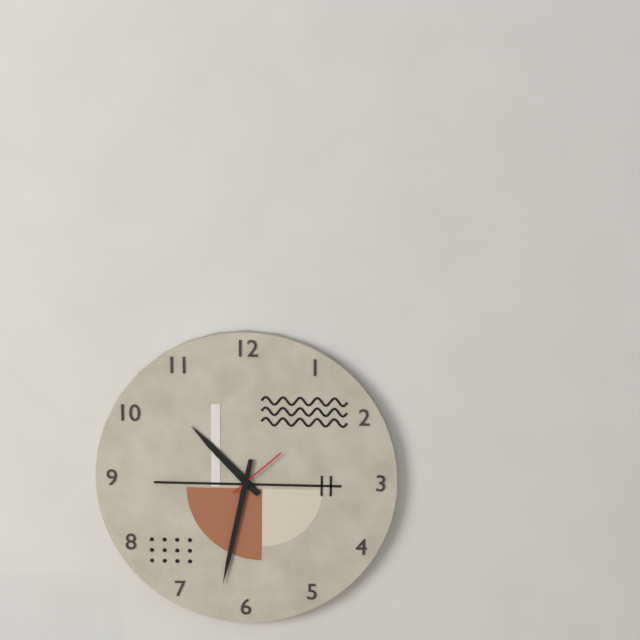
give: {"hour": 10, "minute": 32, "second": 8}
